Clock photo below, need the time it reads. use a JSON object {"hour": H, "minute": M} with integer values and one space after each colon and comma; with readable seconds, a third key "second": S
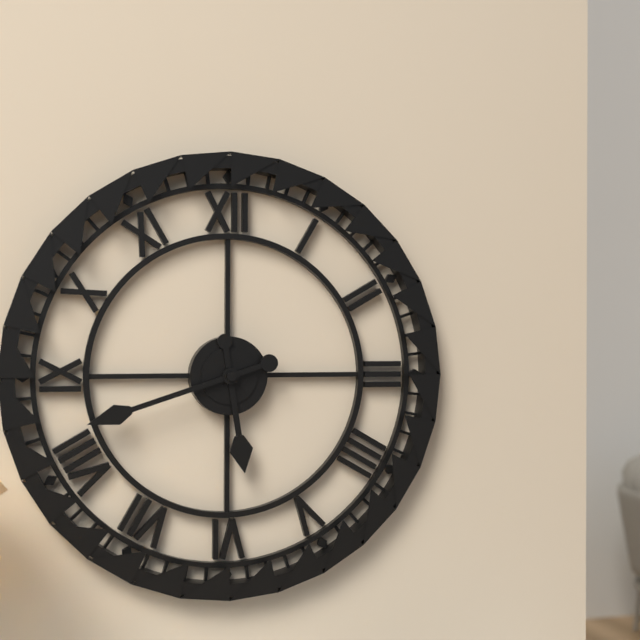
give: {"hour": 5, "minute": 42}
